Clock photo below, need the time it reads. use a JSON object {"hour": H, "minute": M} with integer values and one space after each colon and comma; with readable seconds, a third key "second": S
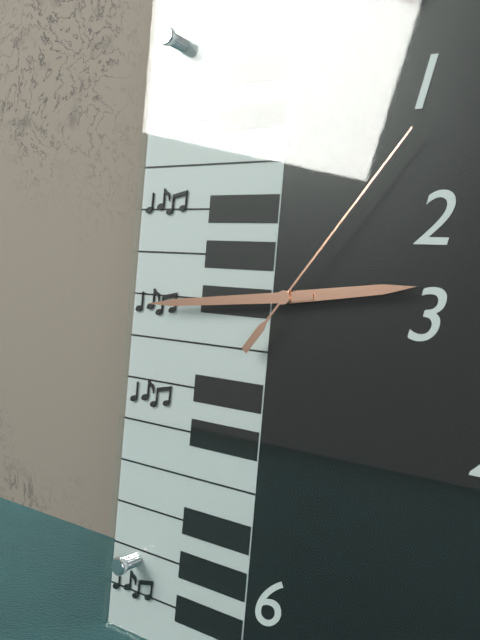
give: {"hour": 2, "minute": 44, "second": 6}
